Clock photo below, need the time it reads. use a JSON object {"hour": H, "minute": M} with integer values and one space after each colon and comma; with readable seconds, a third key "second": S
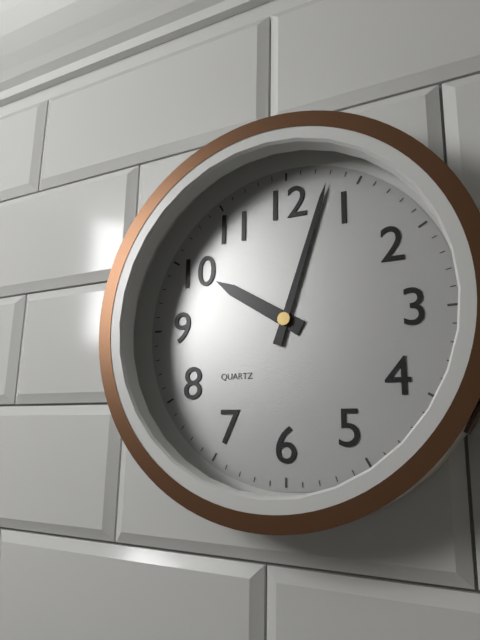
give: {"hour": 10, "minute": 3}
